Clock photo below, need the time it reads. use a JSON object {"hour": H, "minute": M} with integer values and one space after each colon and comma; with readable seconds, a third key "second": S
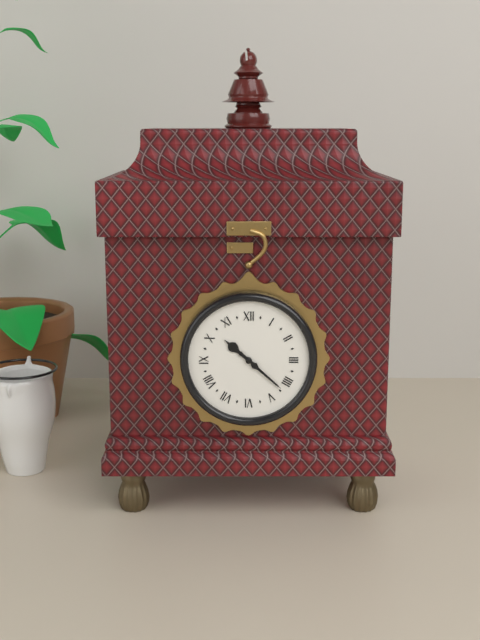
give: {"hour": 10, "minute": 22}
